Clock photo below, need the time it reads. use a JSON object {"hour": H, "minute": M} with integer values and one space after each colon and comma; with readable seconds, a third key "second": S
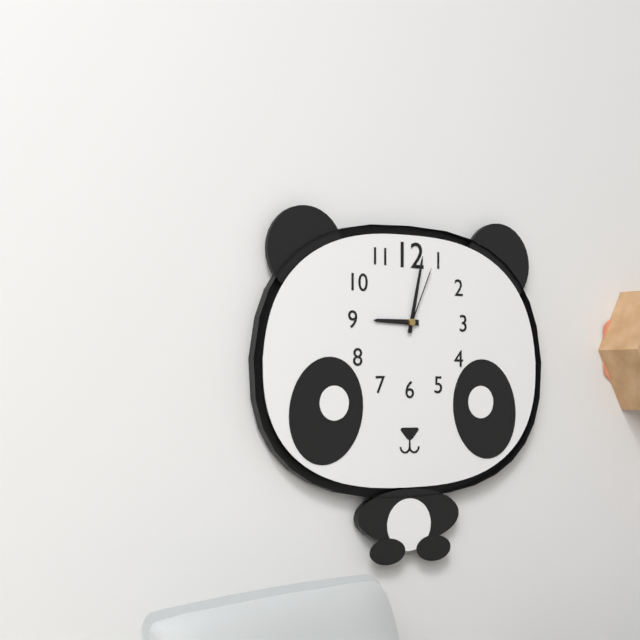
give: {"hour": 9, "minute": 2, "second": 4}
